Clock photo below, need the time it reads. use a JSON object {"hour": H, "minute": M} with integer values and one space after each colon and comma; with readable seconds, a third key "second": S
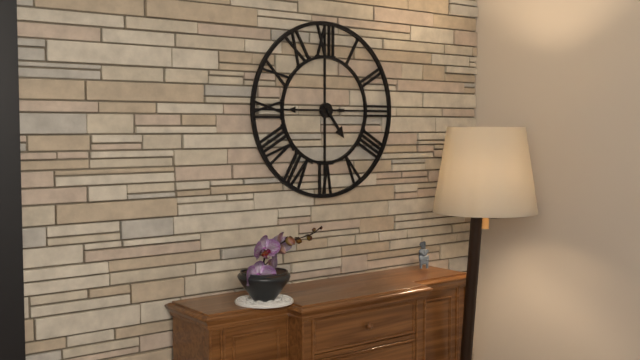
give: {"hour": 4, "minute": 45}
